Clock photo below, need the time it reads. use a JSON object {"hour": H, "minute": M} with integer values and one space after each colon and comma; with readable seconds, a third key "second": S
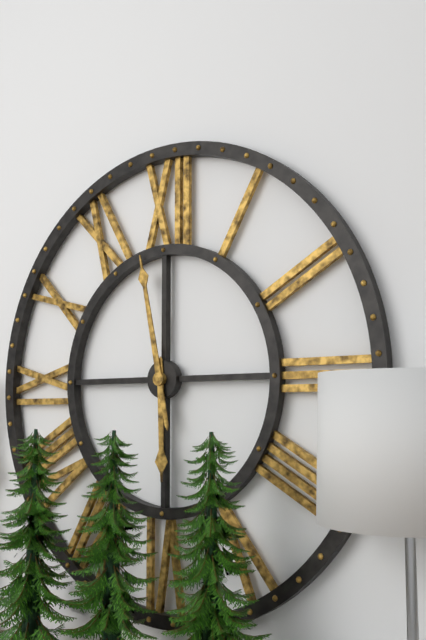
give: {"hour": 5, "minute": 58}
